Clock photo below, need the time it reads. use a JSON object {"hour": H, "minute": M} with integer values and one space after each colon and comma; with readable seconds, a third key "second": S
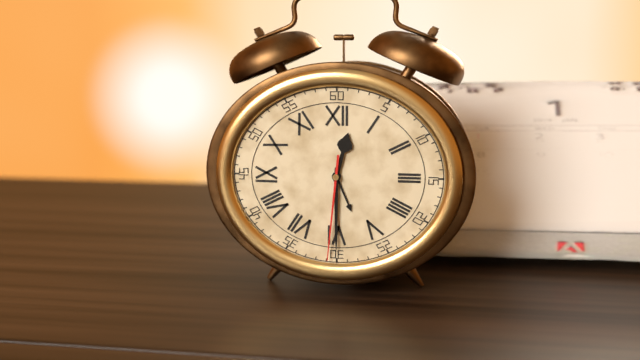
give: {"hour": 12, "minute": 30, "second": 31}
